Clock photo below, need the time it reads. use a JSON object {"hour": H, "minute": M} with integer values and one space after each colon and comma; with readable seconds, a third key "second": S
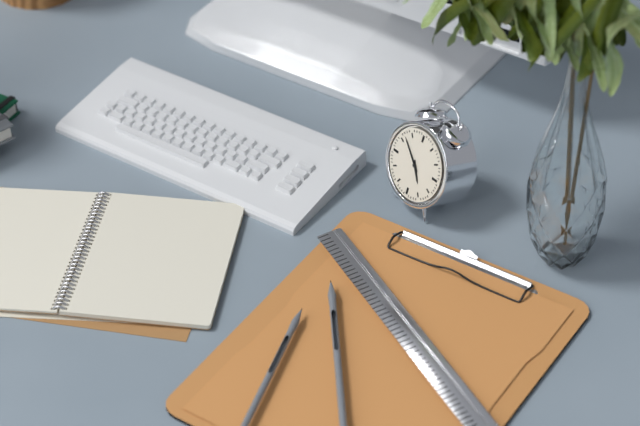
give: {"hour": 4, "minute": 52}
